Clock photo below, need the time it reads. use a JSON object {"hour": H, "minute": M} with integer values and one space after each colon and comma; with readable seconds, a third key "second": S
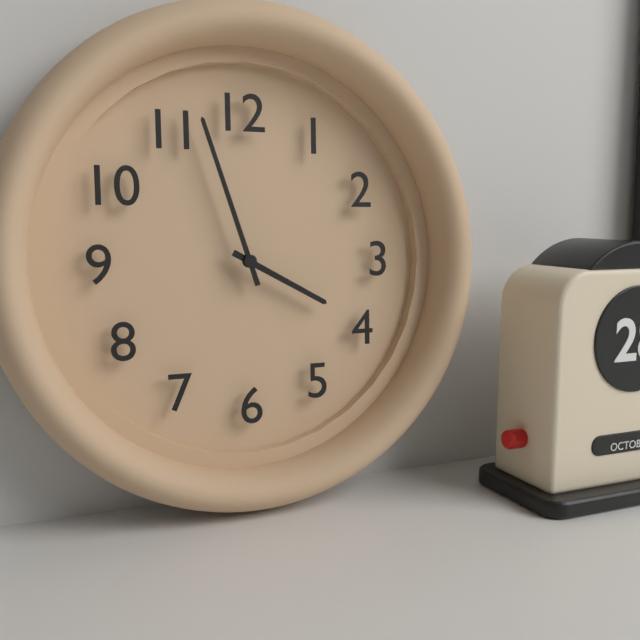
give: {"hour": 3, "minute": 57}
